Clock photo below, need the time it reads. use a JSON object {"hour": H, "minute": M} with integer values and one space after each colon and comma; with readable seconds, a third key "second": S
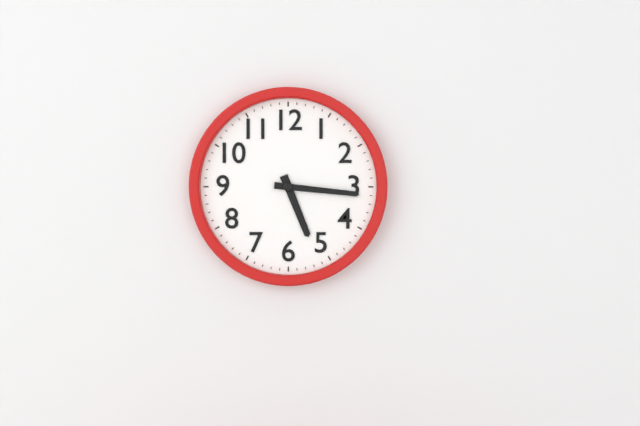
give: {"hour": 5, "minute": 16}
